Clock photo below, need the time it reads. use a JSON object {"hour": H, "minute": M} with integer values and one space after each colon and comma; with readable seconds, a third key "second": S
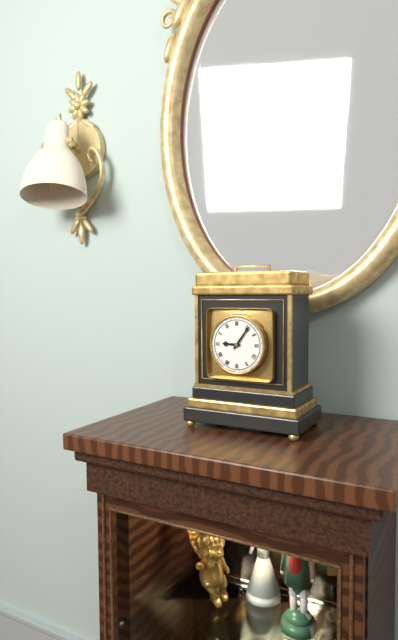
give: {"hour": 9, "minute": 6}
